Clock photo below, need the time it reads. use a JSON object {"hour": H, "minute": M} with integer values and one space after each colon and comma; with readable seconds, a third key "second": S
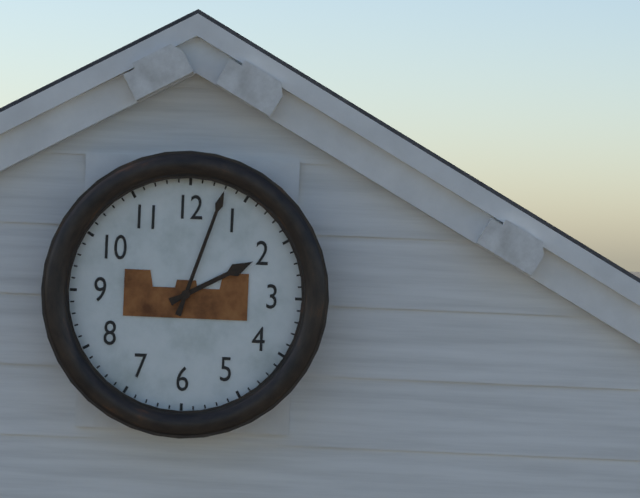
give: {"hour": 2, "minute": 3}
